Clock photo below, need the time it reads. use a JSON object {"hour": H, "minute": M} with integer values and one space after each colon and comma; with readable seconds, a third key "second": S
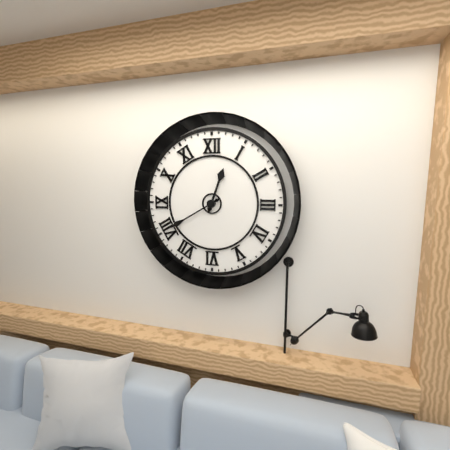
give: {"hour": 12, "minute": 40}
